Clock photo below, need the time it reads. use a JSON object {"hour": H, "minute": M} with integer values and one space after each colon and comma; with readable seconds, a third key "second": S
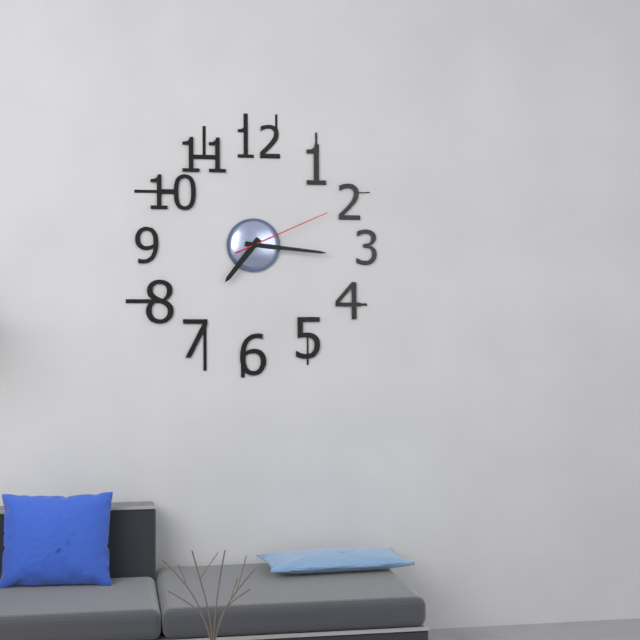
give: {"hour": 7, "minute": 16, "second": 11}
